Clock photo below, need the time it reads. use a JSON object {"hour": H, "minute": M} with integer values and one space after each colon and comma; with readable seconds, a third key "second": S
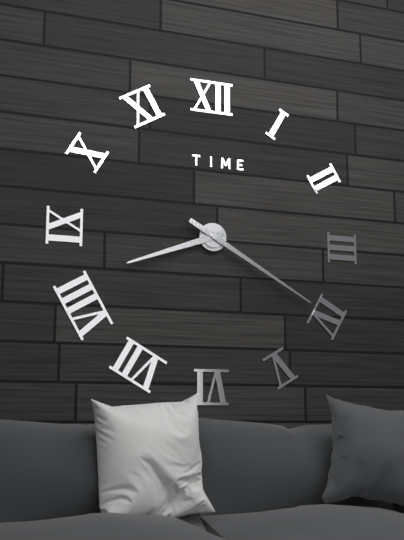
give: {"hour": 8, "minute": 20}
